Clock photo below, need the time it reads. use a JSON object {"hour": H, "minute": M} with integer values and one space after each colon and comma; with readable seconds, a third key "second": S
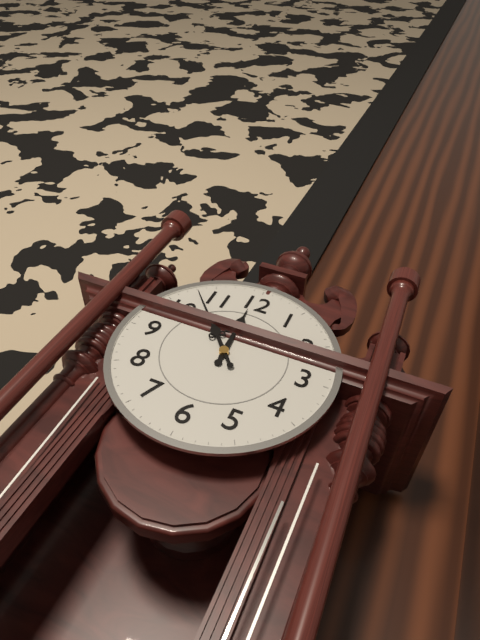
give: {"hour": 11, "minute": 53}
